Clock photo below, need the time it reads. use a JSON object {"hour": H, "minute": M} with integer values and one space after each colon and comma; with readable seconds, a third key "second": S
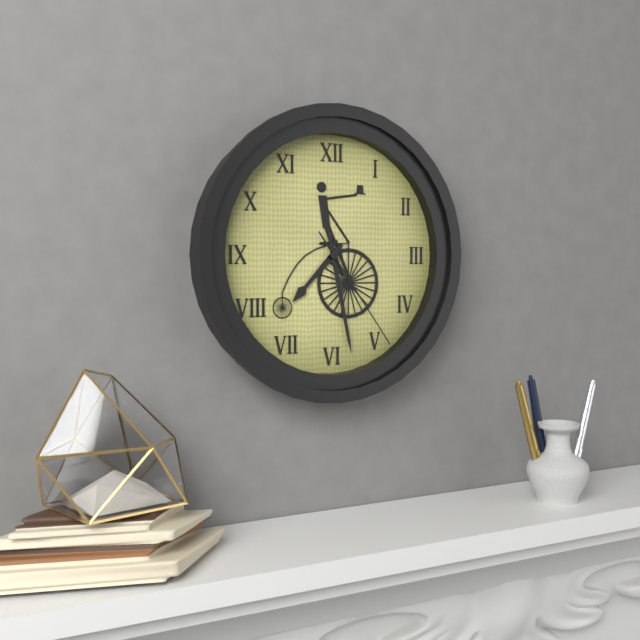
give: {"hour": 7, "minute": 28, "second": 24}
